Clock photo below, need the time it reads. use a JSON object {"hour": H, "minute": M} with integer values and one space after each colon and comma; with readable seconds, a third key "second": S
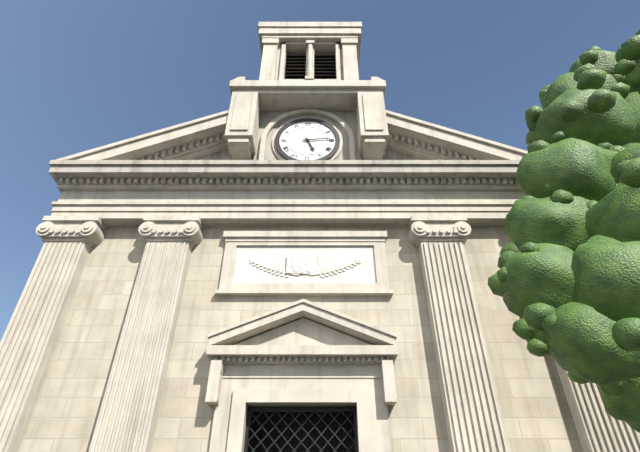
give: {"hour": 5, "minute": 14}
